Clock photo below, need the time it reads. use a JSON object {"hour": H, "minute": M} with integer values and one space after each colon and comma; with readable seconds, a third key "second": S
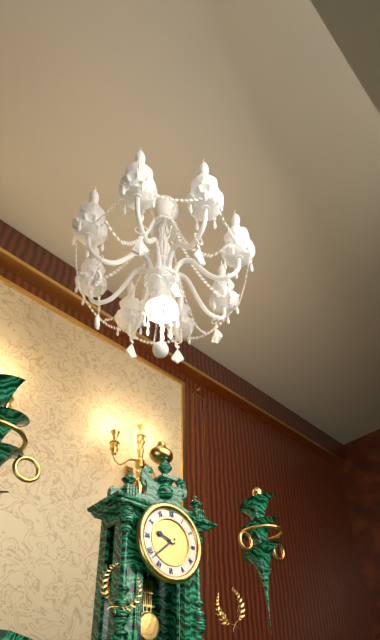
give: {"hour": 9, "minute": 38}
